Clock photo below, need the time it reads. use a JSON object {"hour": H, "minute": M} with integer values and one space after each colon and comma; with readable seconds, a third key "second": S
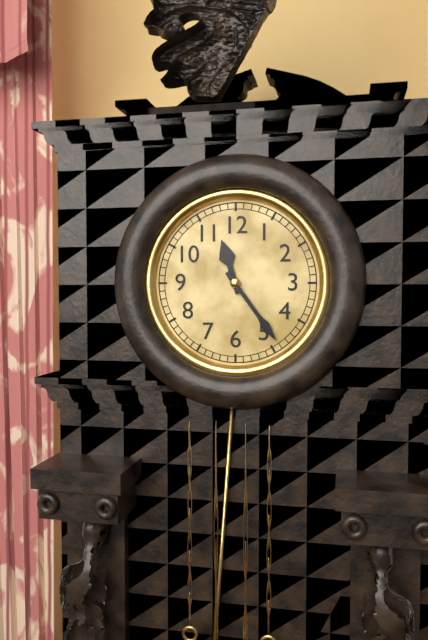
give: {"hour": 11, "minute": 24}
